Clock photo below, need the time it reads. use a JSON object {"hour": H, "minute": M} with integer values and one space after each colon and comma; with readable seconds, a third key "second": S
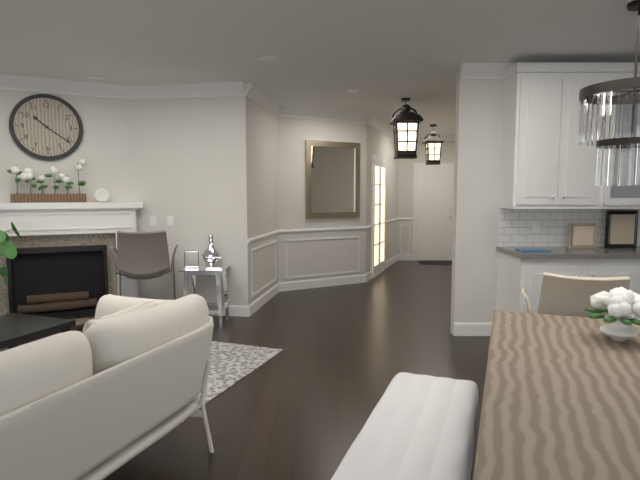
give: {"hour": 10, "minute": 21}
